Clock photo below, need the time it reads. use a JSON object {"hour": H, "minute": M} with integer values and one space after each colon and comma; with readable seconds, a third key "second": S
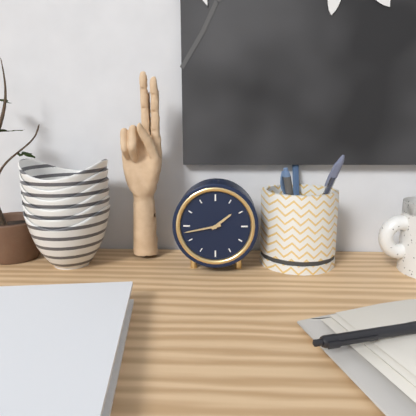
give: {"hour": 1, "minute": 43}
